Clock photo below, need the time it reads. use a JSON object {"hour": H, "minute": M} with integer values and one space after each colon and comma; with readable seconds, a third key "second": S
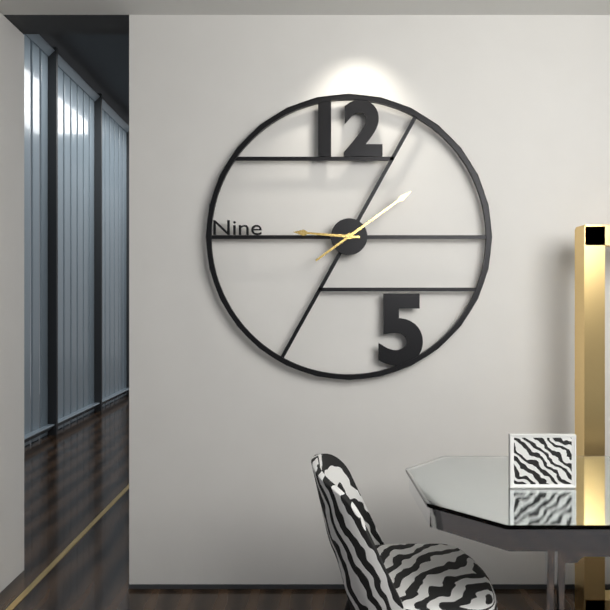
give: {"hour": 9, "minute": 9}
